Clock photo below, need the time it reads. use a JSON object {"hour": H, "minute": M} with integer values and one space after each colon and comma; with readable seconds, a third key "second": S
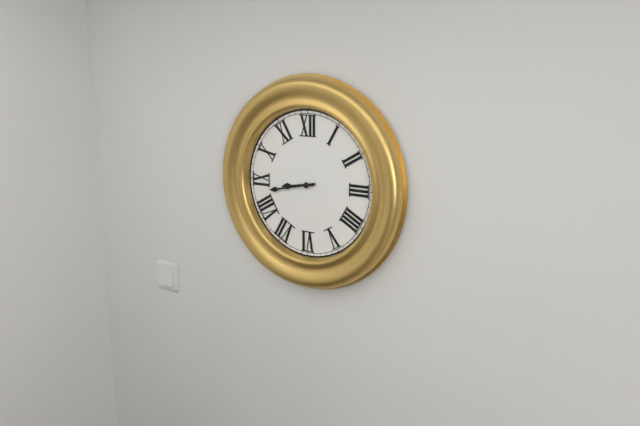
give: {"hour": 8, "minute": 43}
